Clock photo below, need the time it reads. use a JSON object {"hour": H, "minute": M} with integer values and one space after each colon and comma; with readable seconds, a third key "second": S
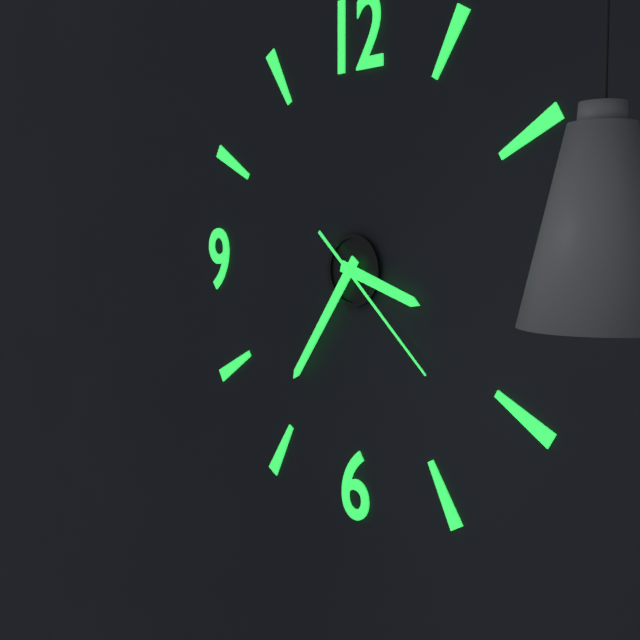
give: {"hour": 3, "minute": 36, "second": 22}
